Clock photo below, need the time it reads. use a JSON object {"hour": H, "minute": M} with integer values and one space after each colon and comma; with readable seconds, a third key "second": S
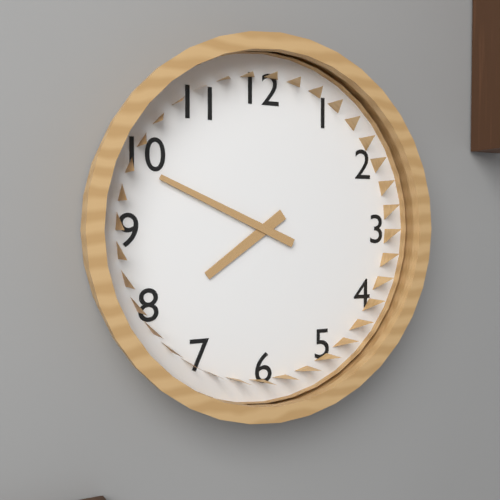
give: {"hour": 7, "minute": 49}
